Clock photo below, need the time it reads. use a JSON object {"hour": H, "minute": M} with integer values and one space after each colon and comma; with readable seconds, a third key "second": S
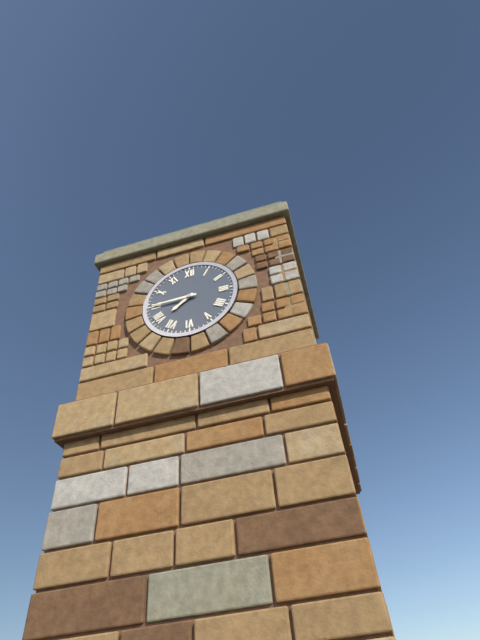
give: {"hour": 7, "minute": 45}
